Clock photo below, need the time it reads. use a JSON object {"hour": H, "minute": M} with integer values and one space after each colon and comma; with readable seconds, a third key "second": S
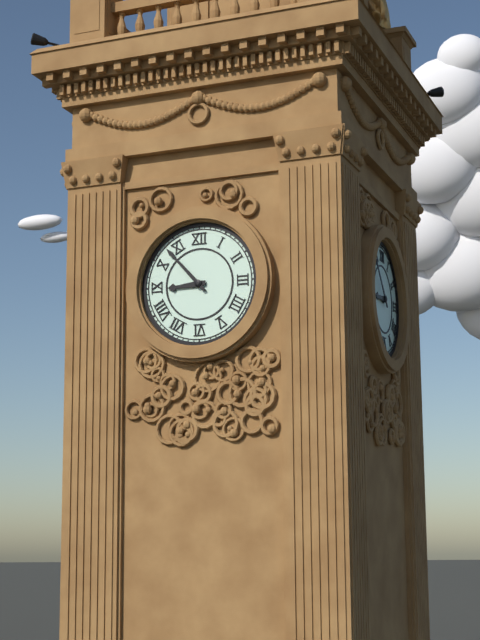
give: {"hour": 8, "minute": 53}
